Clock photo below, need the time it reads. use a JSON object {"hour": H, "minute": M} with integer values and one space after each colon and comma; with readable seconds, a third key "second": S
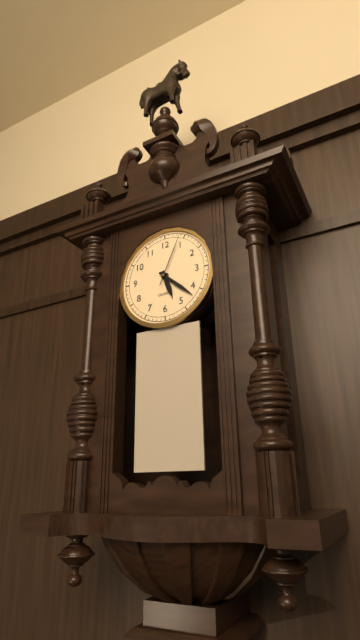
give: {"hour": 5, "minute": 22, "second": 4}
